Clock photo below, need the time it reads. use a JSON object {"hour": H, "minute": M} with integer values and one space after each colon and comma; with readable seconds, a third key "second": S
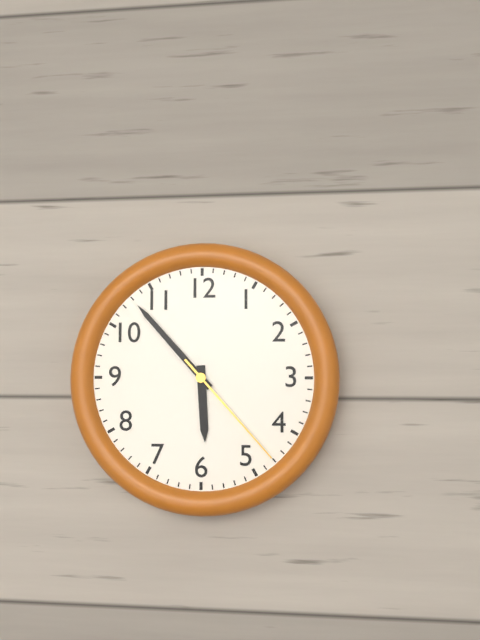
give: {"hour": 5, "minute": 53, "second": 23}
